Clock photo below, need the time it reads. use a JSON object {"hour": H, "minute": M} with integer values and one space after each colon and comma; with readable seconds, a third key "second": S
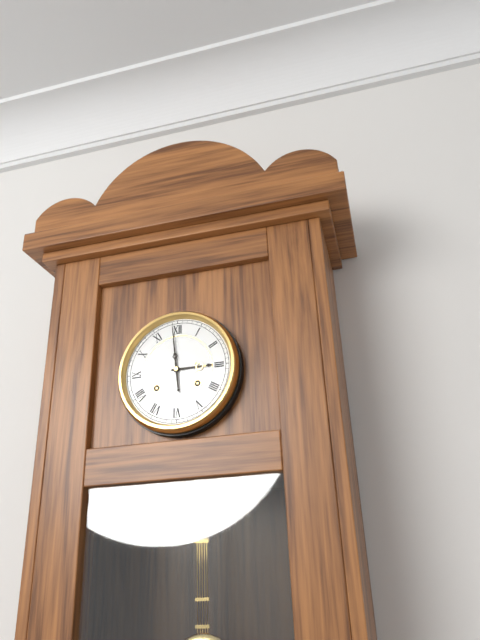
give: {"hour": 2, "minute": 59}
